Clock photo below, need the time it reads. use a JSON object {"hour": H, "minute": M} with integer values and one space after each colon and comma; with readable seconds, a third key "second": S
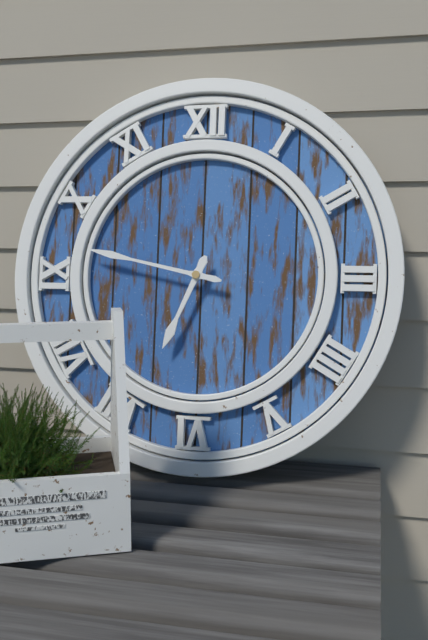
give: {"hour": 6, "minute": 47}
